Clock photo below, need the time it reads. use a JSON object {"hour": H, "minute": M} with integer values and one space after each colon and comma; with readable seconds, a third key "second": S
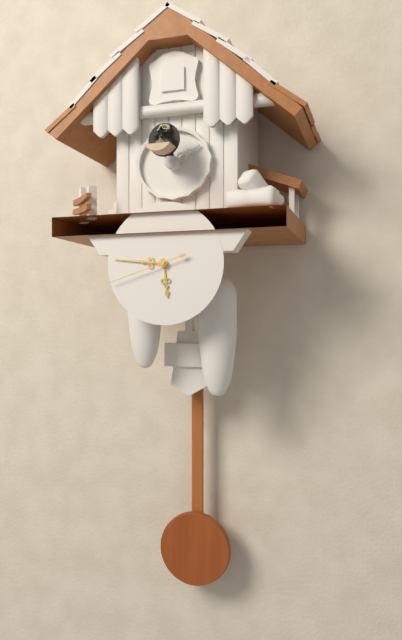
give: {"hour": 5, "minute": 46, "second": 42}
